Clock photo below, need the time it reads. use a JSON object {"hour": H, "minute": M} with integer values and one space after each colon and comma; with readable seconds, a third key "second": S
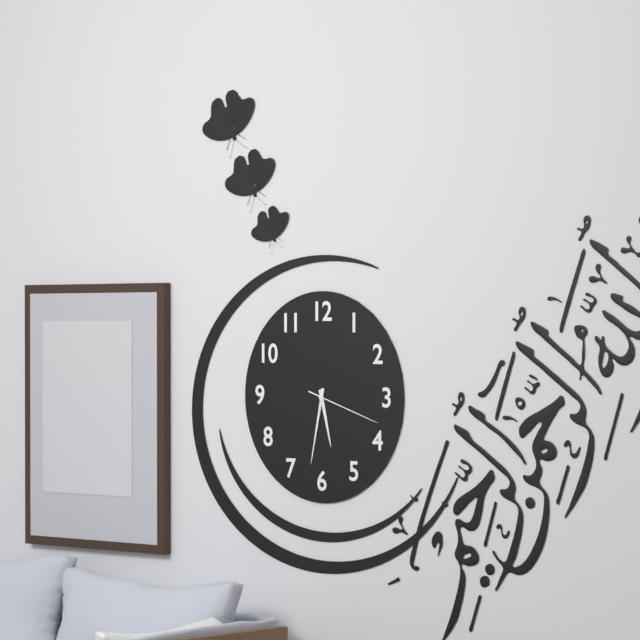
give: {"hour": 5, "minute": 32, "second": 18}
